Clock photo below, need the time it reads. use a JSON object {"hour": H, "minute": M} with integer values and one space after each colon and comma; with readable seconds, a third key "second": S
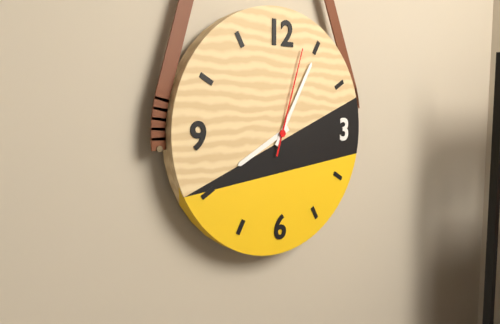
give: {"hour": 8, "minute": 5, "second": 3}
